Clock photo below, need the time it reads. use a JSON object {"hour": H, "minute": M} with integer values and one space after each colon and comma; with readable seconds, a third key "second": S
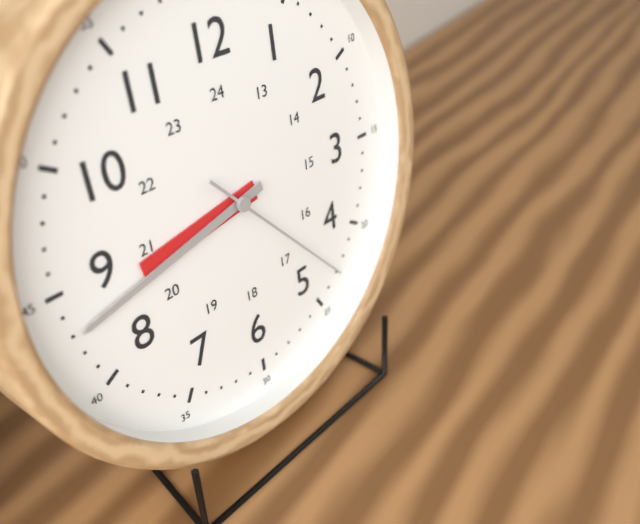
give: {"hour": 8, "minute": 43, "second": 23}
